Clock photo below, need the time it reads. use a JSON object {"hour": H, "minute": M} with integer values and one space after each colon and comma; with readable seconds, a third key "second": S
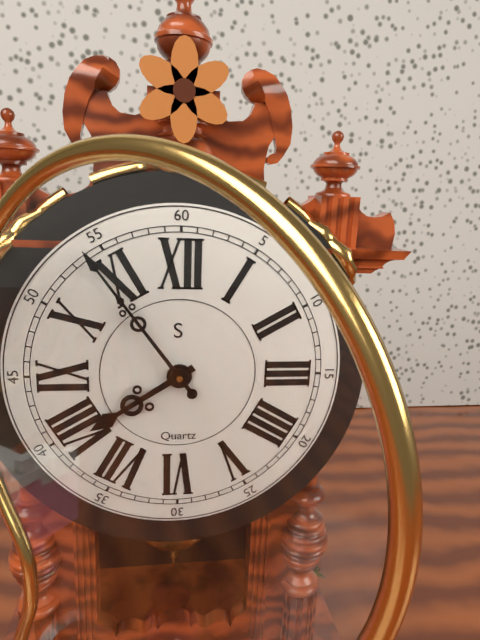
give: {"hour": 7, "minute": 54}
